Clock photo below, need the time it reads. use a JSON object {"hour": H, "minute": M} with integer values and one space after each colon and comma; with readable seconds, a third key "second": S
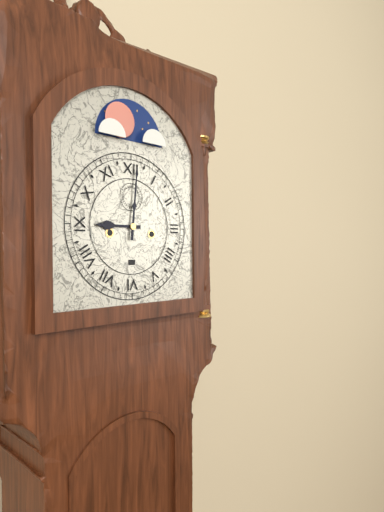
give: {"hour": 9, "minute": 1}
